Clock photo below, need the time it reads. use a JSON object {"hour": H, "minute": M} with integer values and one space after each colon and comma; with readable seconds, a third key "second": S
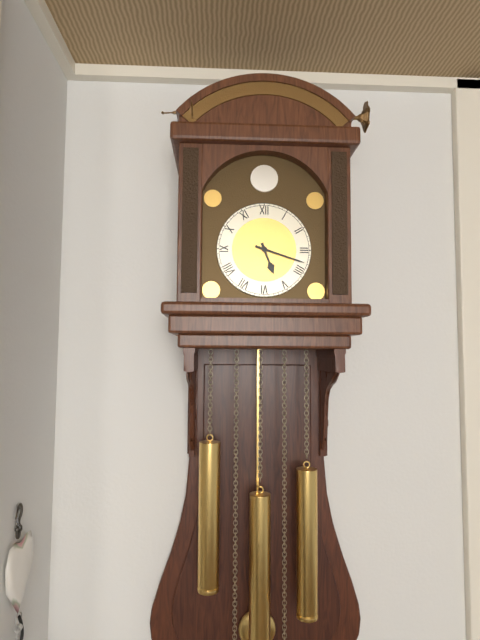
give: {"hour": 5, "minute": 18}
